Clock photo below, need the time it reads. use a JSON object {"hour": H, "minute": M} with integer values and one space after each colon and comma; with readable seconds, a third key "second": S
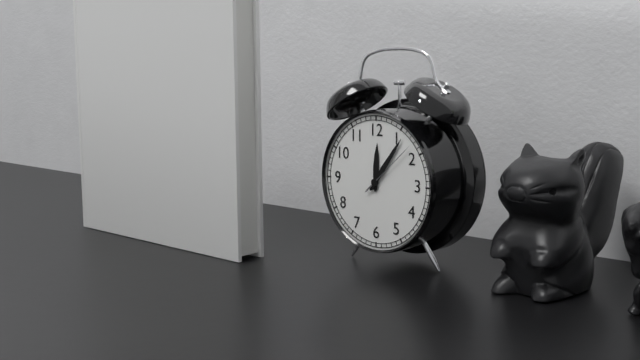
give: {"hour": 12, "minute": 6, "second": 8}
